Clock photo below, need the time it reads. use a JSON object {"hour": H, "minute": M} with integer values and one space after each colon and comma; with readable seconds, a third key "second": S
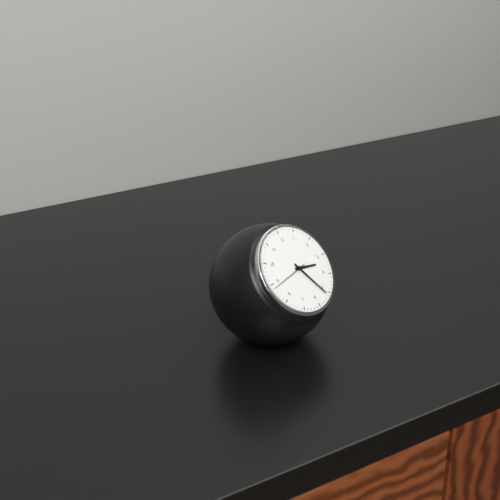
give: {"hour": 3, "minute": 26}
